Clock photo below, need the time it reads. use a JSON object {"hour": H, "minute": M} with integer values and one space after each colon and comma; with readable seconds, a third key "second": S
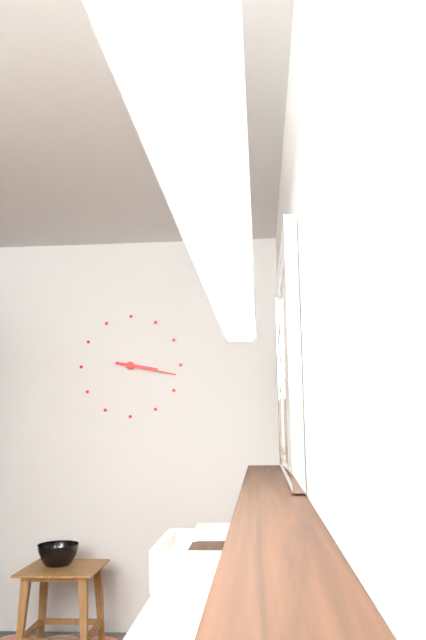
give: {"hour": 3, "minute": 17}
